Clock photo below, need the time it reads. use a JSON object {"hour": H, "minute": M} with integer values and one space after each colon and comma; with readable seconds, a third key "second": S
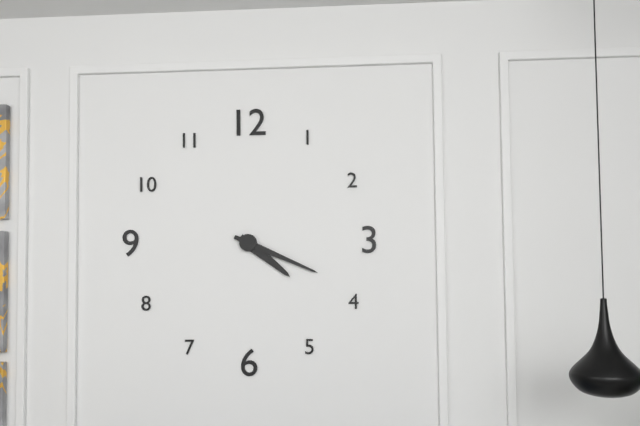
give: {"hour": 4, "minute": 19}
